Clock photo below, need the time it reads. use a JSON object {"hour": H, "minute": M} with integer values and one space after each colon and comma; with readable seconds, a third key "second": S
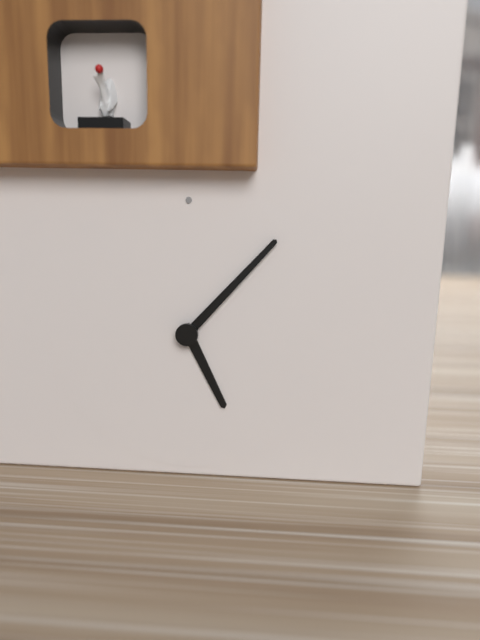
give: {"hour": 5, "minute": 7}
